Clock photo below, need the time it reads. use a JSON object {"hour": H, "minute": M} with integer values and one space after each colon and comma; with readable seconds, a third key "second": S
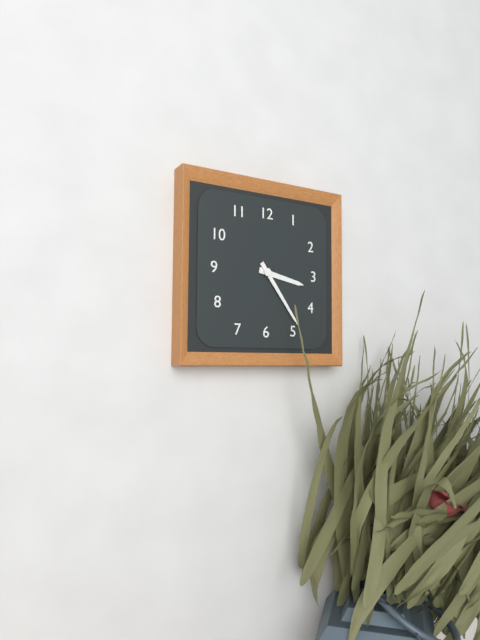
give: {"hour": 3, "minute": 24}
